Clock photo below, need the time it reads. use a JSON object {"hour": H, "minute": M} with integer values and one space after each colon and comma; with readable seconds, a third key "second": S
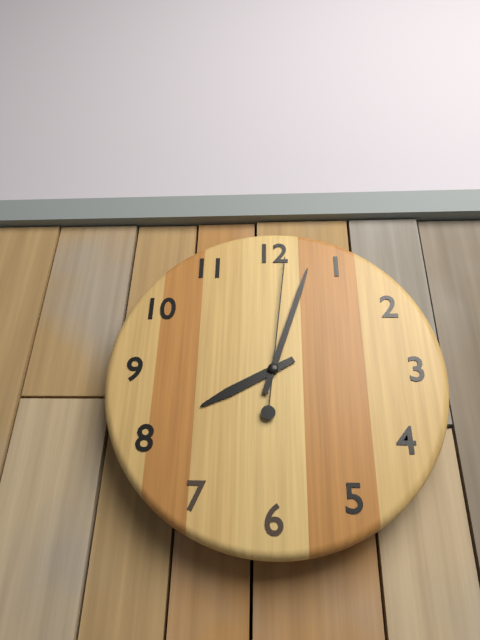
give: {"hour": 8, "minute": 3, "second": 1}
